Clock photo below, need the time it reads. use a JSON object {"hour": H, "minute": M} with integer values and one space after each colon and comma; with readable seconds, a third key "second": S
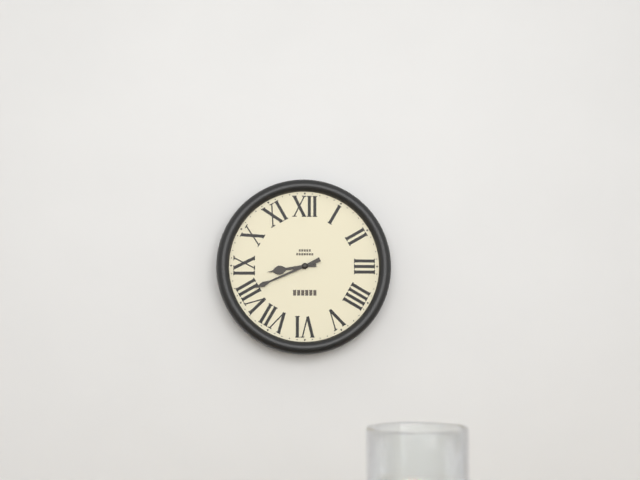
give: {"hour": 8, "minute": 41}
